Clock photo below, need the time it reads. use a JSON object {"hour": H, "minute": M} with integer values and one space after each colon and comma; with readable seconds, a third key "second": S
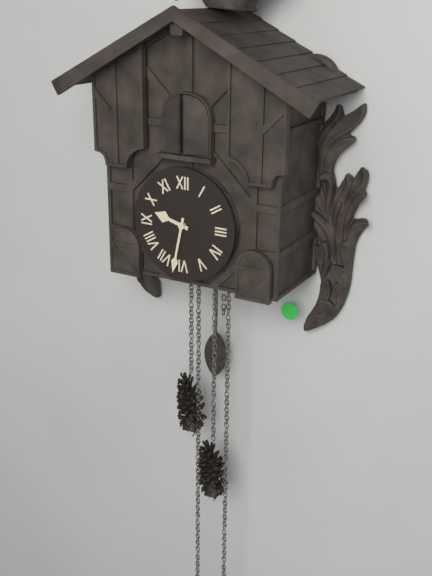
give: {"hour": 9, "minute": 32}
